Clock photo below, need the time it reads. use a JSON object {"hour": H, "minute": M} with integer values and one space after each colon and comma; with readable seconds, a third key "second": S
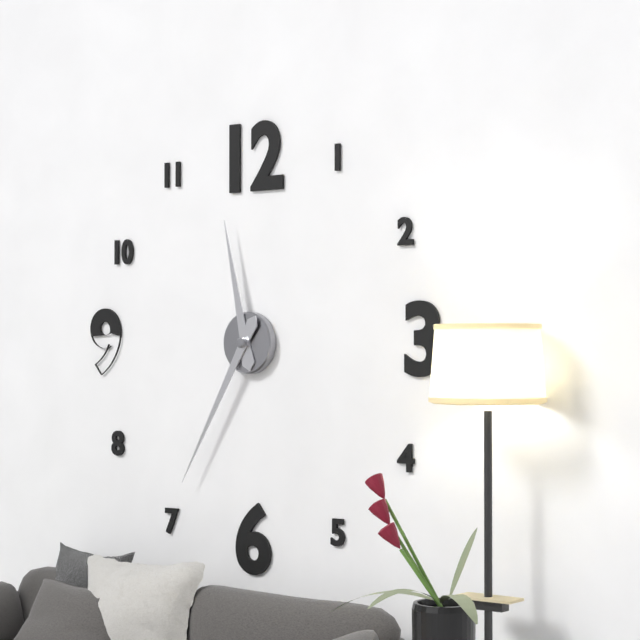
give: {"hour": 11, "minute": 35}
